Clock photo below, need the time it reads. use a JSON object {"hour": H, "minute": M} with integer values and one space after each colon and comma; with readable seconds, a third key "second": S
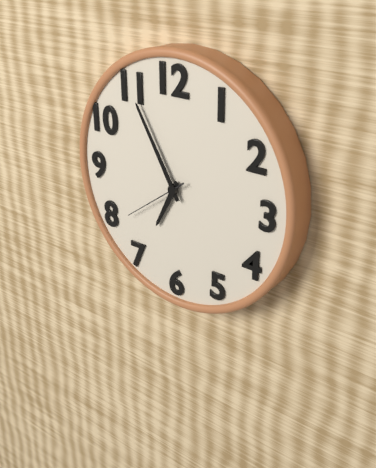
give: {"hour": 6, "minute": 55, "second": 39}
